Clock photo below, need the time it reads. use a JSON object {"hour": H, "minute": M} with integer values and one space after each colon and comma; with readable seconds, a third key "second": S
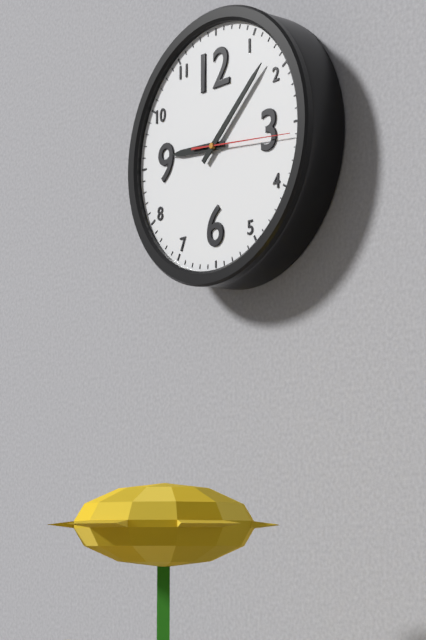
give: {"hour": 9, "minute": 8, "second": 16}
